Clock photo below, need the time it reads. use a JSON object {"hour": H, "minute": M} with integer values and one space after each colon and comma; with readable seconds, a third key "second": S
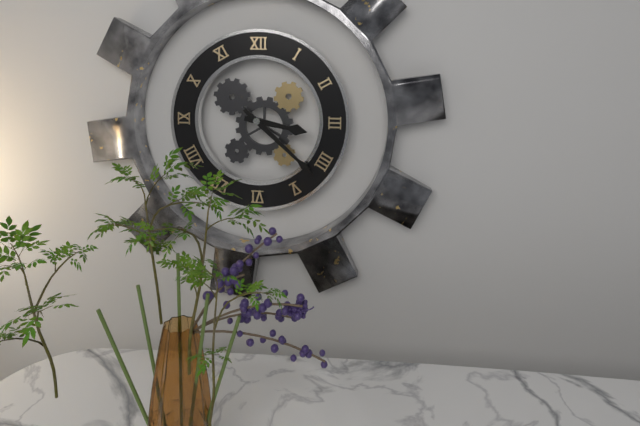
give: {"hour": 3, "minute": 22}
